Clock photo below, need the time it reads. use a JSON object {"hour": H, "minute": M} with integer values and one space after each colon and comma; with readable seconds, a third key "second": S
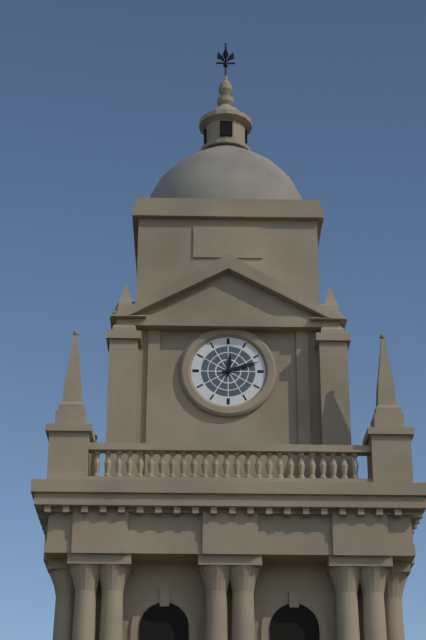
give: {"hour": 12, "minute": 12}
